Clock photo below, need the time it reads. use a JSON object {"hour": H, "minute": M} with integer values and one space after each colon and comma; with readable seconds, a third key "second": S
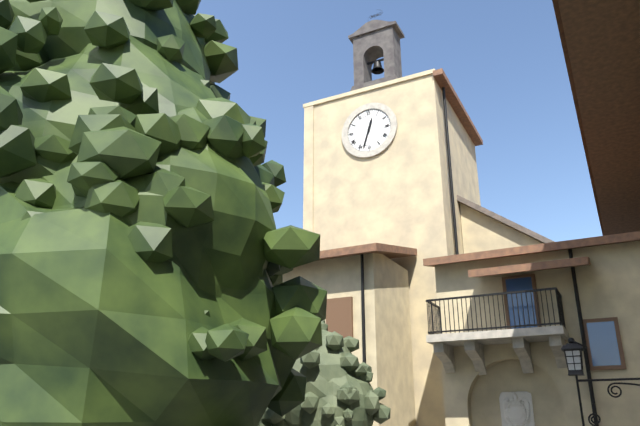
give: {"hour": 12, "minute": 33}
